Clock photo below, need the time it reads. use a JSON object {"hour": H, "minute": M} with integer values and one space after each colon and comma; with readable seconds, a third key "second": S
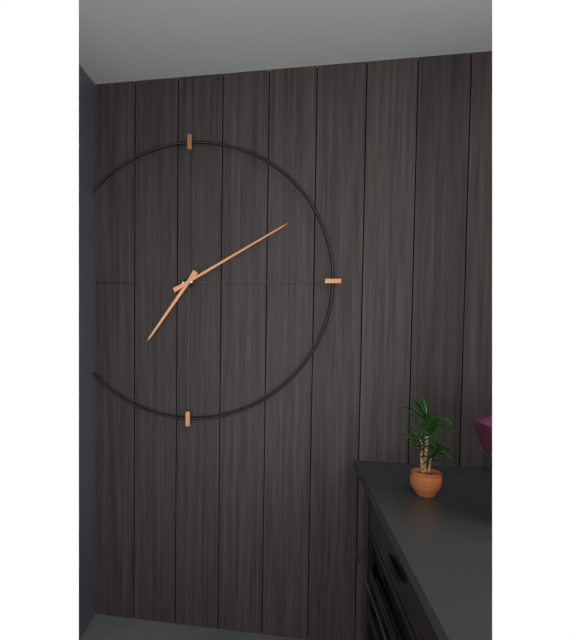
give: {"hour": 7, "minute": 10}
